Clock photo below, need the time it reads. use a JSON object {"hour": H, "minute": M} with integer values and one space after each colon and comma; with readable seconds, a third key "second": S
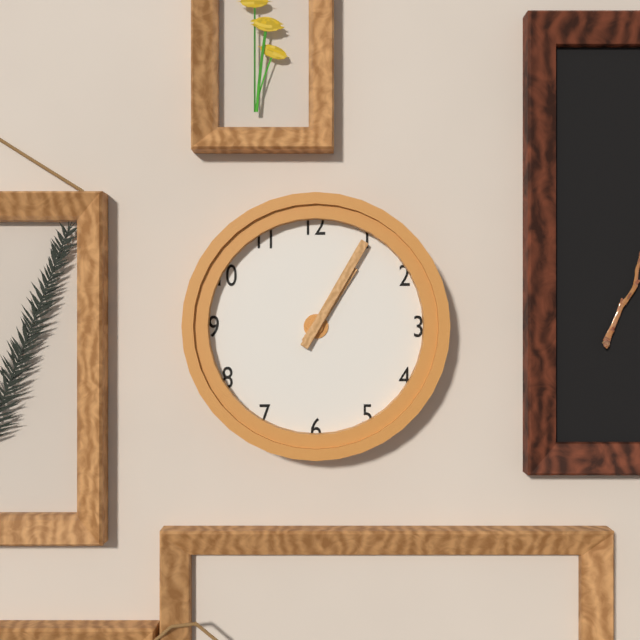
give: {"hour": 1, "minute": 5}
